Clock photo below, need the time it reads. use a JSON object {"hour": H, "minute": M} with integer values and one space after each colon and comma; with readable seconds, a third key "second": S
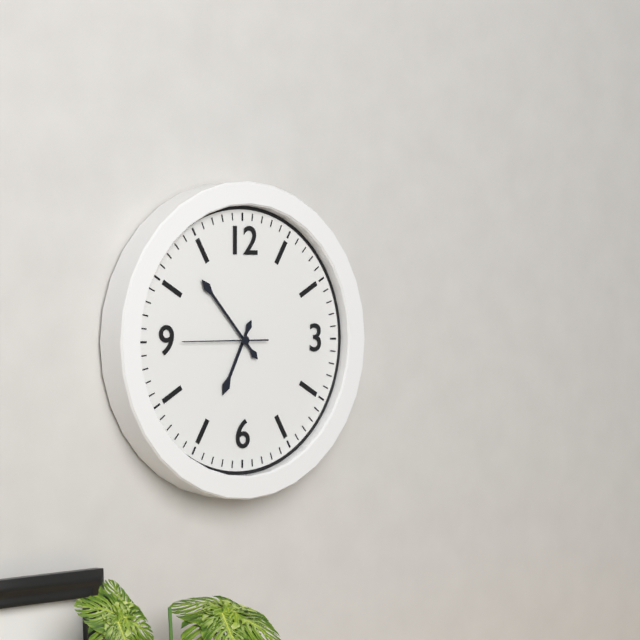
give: {"hour": 6, "minute": 53, "second": 45}
